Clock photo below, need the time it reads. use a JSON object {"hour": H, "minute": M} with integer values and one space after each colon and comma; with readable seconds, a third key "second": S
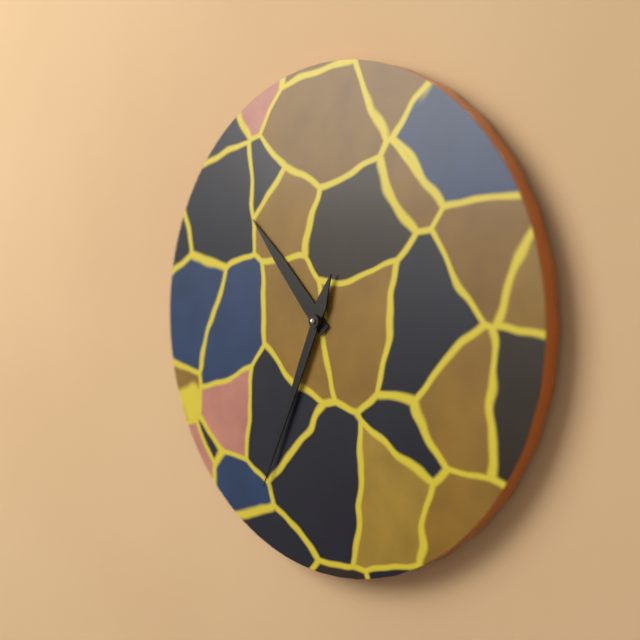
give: {"hour": 10, "minute": 34}
